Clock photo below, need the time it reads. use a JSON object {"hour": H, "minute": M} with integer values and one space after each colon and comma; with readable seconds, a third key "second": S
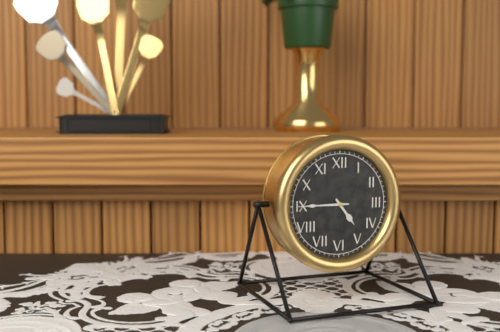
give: {"hour": 4, "minute": 45}
